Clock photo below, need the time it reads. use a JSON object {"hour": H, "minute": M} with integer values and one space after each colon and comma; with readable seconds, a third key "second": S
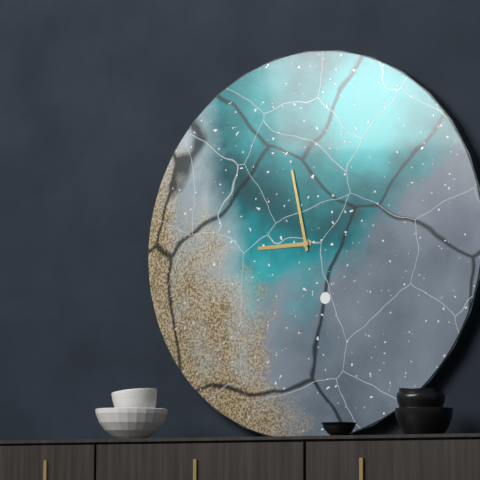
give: {"hour": 8, "minute": 58}
